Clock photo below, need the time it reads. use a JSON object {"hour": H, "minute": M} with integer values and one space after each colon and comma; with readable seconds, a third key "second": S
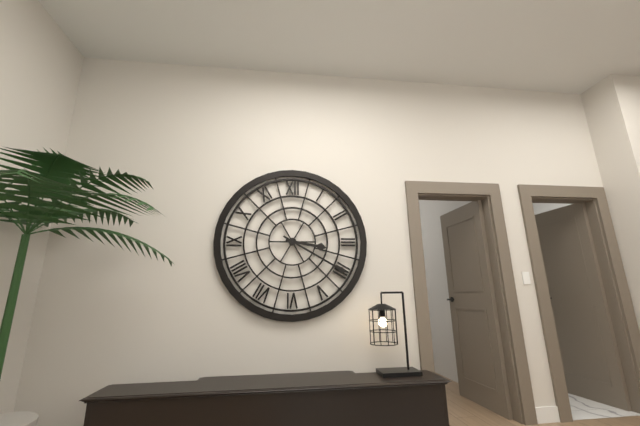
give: {"hour": 3, "minute": 20}
